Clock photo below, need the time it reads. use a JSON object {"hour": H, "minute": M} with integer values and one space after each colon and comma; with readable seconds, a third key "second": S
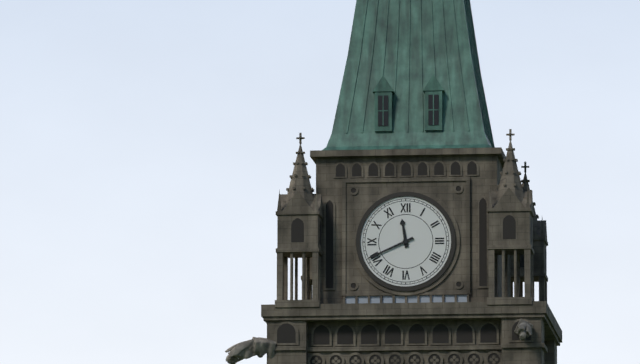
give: {"hour": 11, "minute": 41}
